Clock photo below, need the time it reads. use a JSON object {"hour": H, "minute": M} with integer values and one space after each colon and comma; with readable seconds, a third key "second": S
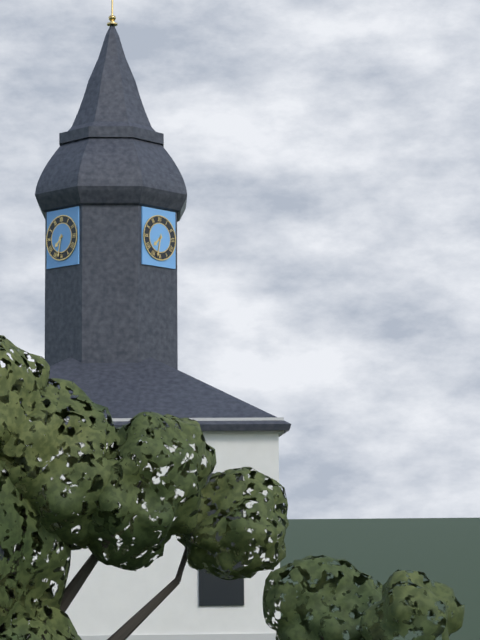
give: {"hour": 7, "minute": 32}
